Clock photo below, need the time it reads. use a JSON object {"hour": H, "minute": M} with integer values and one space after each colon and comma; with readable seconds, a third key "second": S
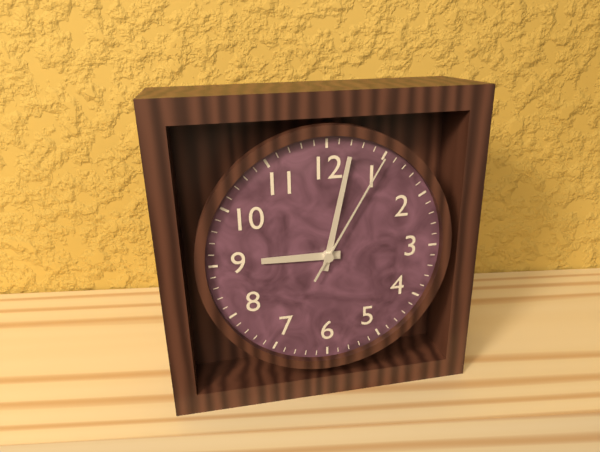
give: {"hour": 9, "minute": 2, "second": 5}
